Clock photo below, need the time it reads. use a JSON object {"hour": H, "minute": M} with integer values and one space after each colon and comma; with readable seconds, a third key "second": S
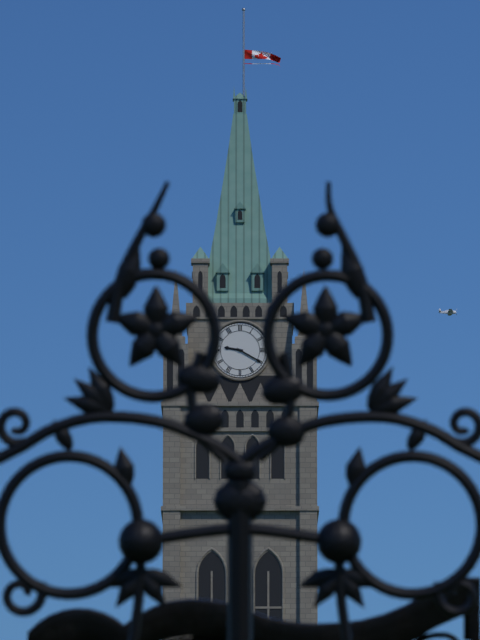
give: {"hour": 9, "minute": 20}
